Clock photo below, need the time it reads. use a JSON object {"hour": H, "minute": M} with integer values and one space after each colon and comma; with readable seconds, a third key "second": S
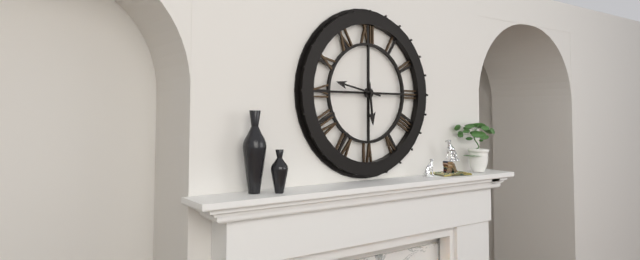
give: {"hour": 5, "minute": 47}
